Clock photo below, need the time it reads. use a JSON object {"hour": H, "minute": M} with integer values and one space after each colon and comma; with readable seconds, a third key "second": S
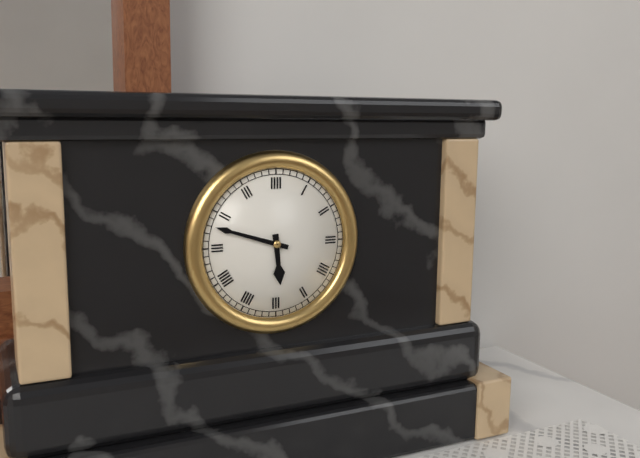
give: {"hour": 5, "minute": 48}
